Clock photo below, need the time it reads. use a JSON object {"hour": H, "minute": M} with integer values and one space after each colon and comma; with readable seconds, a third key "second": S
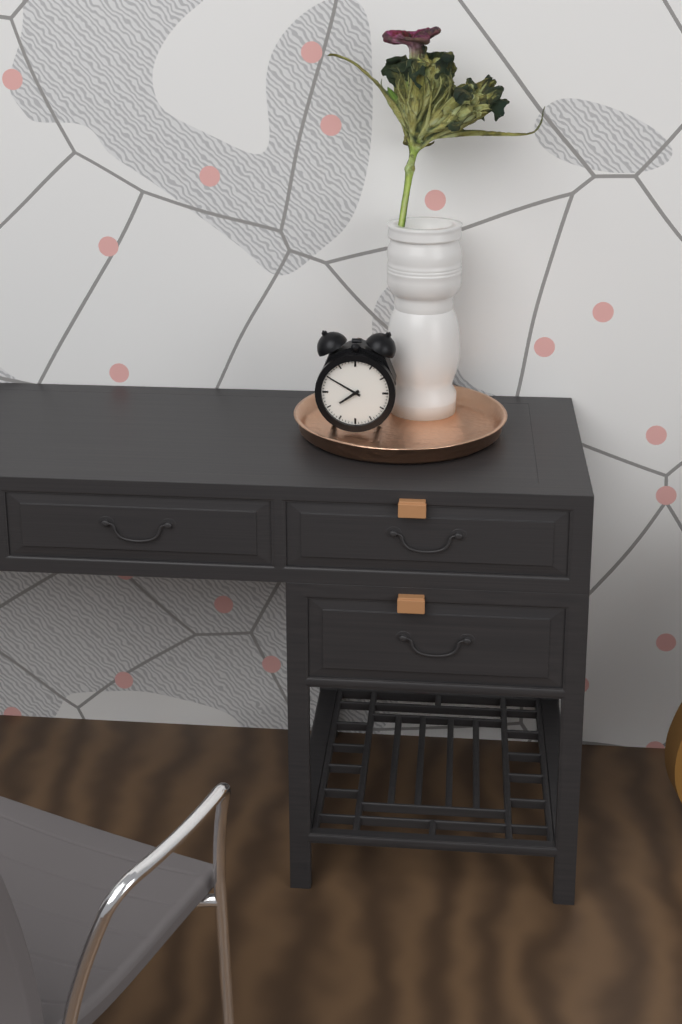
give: {"hour": 7, "minute": 50}
